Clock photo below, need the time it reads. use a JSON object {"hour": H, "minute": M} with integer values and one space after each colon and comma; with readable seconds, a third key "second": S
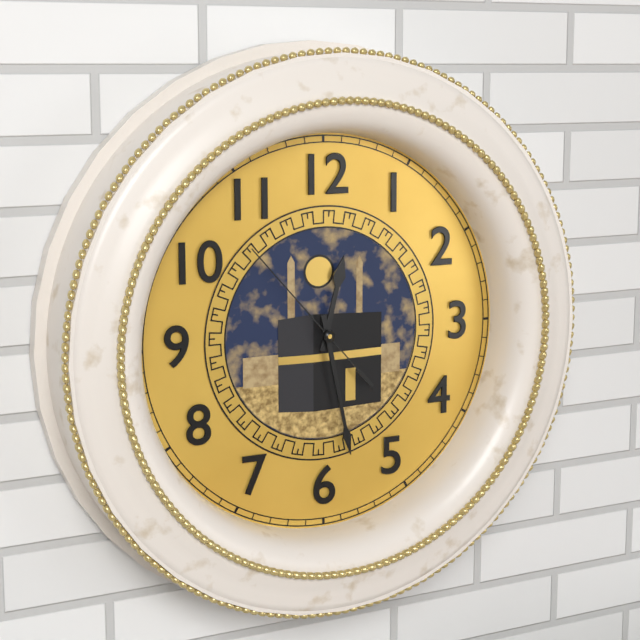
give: {"hour": 12, "minute": 28, "second": 53}
